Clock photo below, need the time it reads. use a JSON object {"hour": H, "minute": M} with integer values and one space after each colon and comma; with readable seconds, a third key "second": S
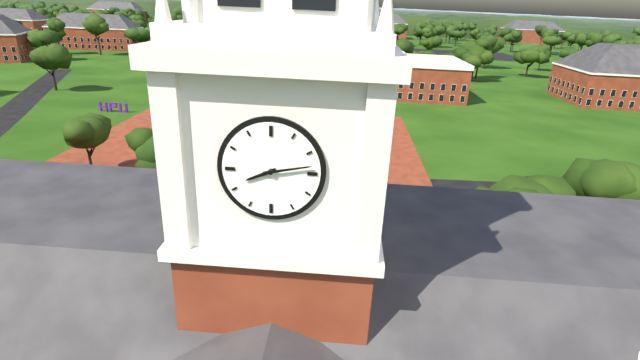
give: {"hour": 8, "minute": 13}
